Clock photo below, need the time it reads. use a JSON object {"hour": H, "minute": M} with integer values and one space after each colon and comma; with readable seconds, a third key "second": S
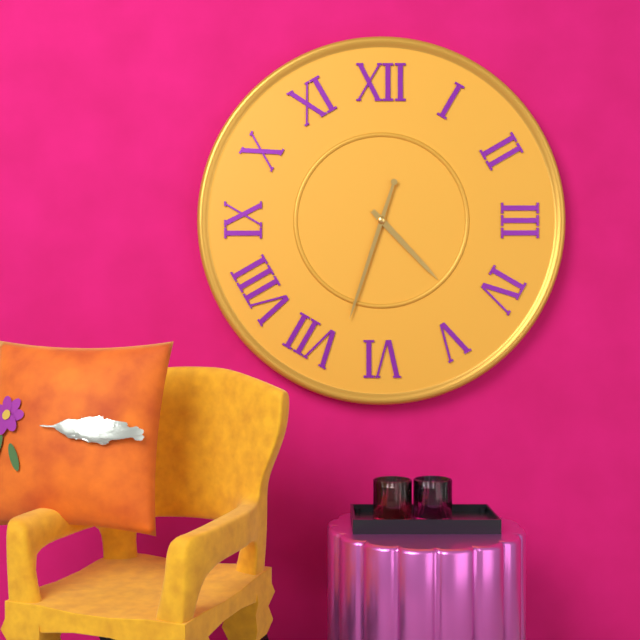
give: {"hour": 4, "minute": 33}
